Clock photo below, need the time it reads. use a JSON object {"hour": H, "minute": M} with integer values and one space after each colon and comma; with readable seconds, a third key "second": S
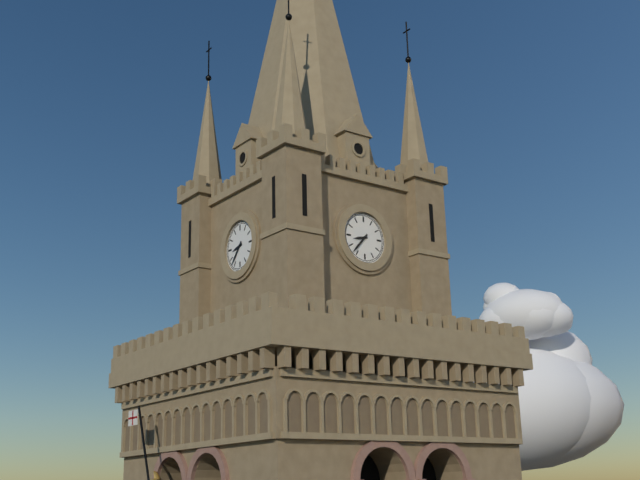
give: {"hour": 8, "minute": 37}
